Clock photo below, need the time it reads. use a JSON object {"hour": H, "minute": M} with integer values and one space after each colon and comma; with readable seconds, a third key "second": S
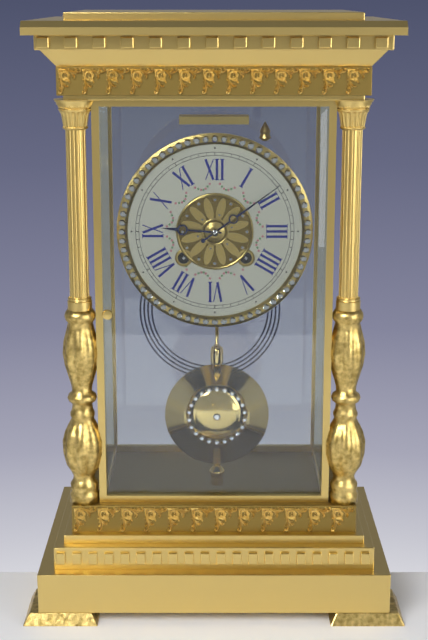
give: {"hour": 9, "minute": 9}
